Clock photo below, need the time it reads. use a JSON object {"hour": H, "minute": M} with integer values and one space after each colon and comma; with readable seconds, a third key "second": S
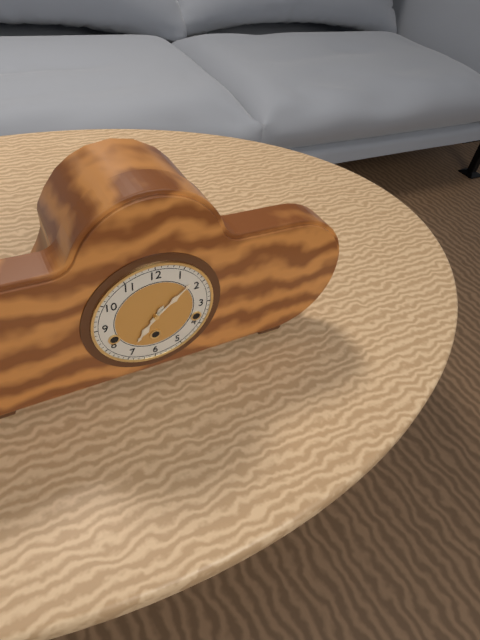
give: {"hour": 7, "minute": 8}
